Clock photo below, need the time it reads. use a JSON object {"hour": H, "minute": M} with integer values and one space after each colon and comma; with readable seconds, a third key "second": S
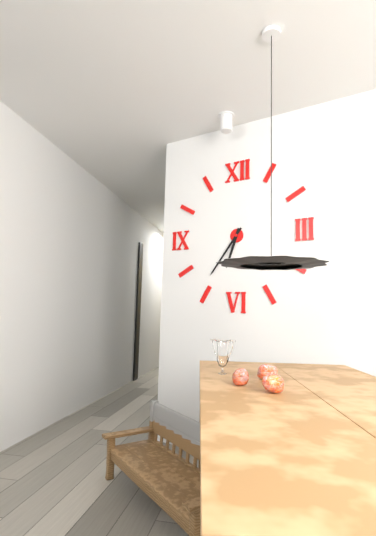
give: {"hour": 6, "minute": 36}
